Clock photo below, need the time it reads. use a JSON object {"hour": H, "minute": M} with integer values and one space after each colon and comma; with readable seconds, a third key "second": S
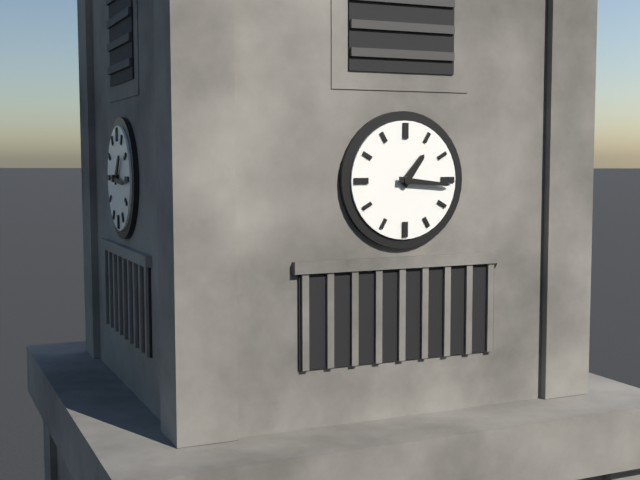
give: {"hour": 1, "minute": 16}
